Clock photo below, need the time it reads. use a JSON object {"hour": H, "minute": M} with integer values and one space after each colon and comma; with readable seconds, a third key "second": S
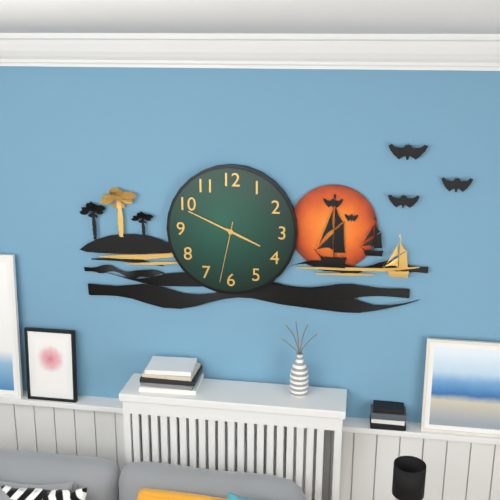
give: {"hour": 3, "minute": 49, "second": 32}
